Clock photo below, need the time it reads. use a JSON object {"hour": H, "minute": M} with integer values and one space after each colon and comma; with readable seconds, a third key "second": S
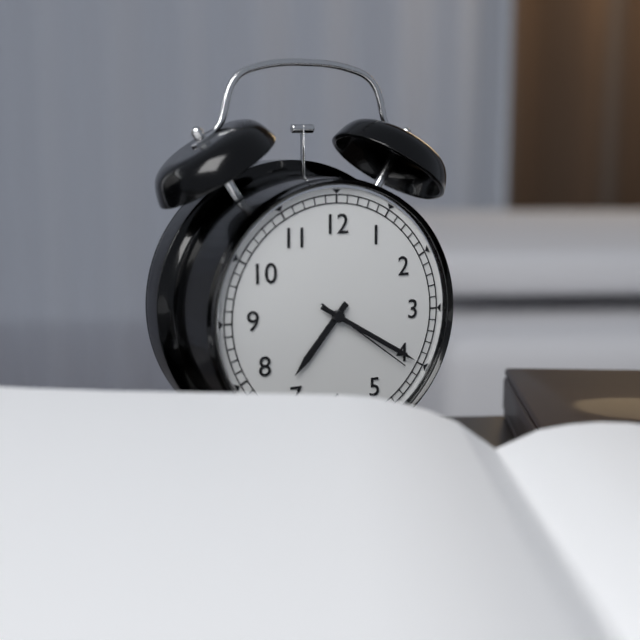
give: {"hour": 7, "minute": 20, "second": 21}
